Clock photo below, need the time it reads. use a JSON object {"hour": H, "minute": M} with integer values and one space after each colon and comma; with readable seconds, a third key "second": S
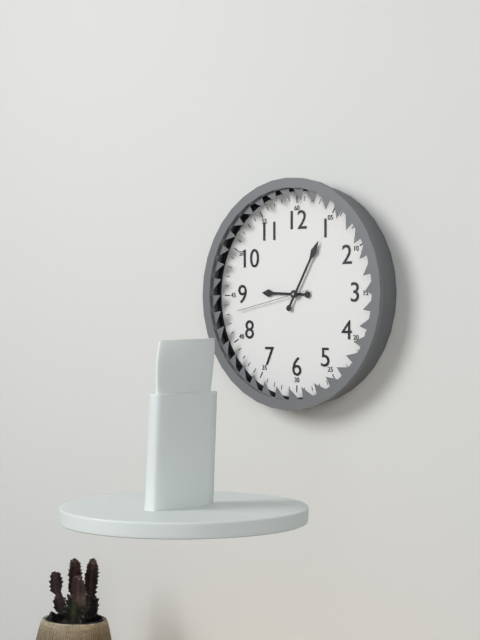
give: {"hour": 9, "minute": 5, "second": 43}
